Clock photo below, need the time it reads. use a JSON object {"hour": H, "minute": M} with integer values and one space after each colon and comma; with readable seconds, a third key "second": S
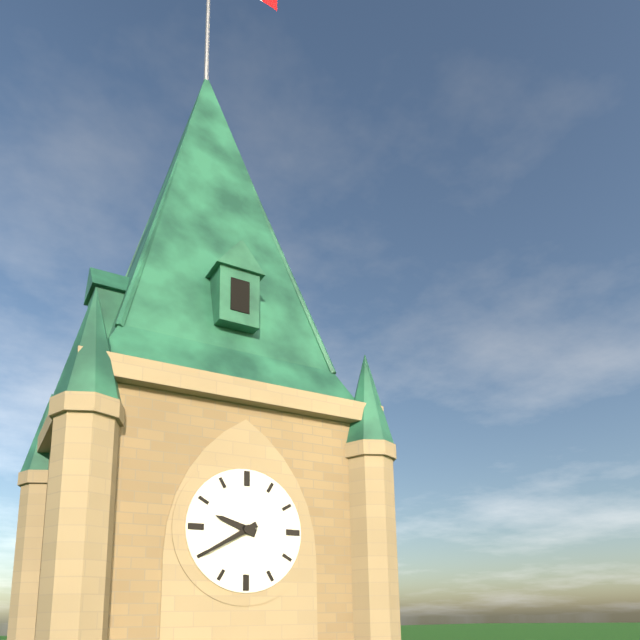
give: {"hour": 9, "minute": 40}
